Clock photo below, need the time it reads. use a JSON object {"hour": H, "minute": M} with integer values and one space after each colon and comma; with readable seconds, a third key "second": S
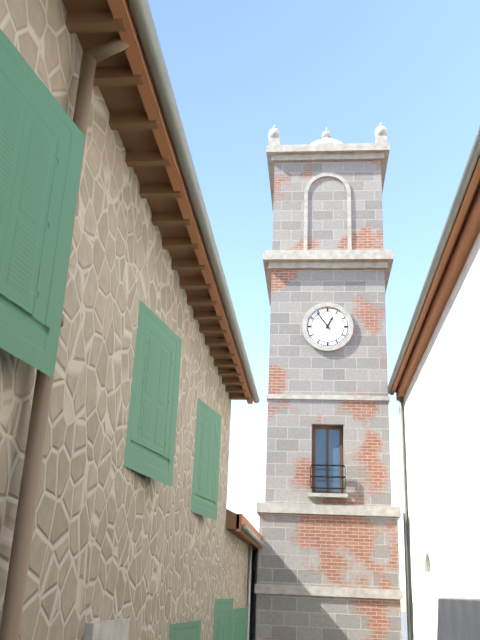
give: {"hour": 12, "minute": 54}
